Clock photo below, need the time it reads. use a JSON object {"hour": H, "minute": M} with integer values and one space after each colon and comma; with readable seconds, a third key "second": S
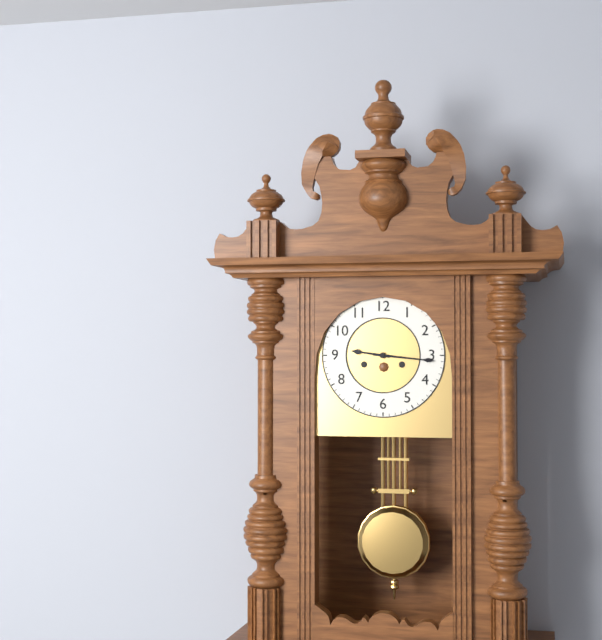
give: {"hour": 9, "minute": 16}
